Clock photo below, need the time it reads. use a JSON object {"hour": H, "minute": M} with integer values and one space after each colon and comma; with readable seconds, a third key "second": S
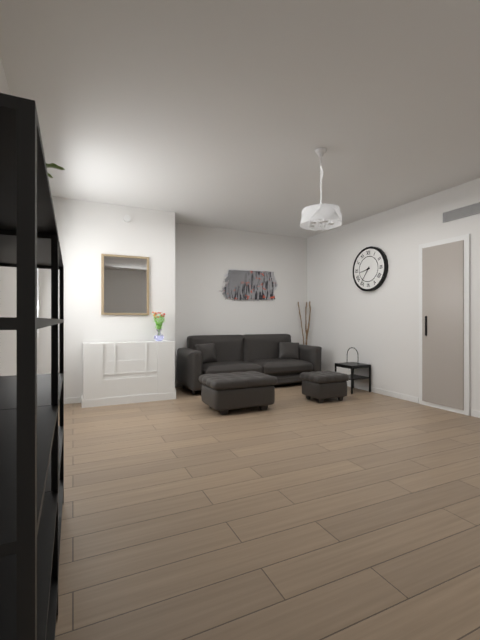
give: {"hour": 8, "minute": 36}
